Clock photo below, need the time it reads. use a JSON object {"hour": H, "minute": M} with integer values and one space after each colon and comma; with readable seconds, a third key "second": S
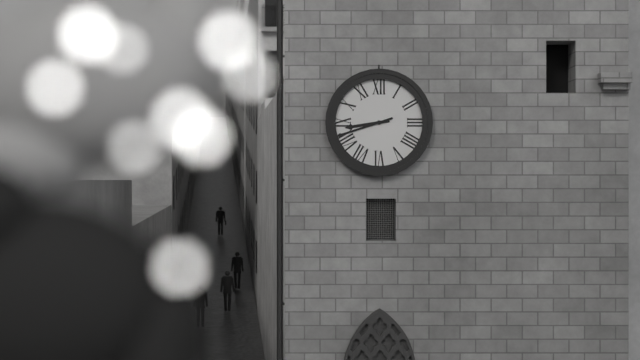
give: {"hour": 8, "minute": 42}
